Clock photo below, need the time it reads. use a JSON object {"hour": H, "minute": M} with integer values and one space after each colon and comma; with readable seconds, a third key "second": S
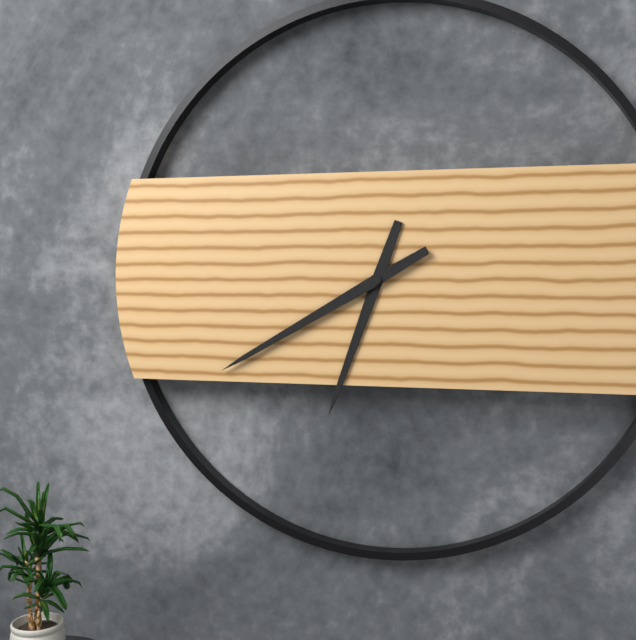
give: {"hour": 6, "minute": 40}
